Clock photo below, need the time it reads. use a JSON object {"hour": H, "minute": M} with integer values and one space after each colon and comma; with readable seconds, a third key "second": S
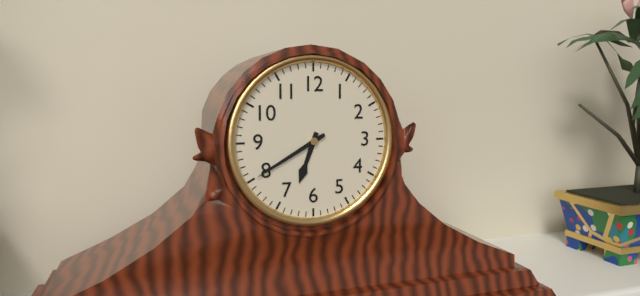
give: {"hour": 6, "minute": 40}
